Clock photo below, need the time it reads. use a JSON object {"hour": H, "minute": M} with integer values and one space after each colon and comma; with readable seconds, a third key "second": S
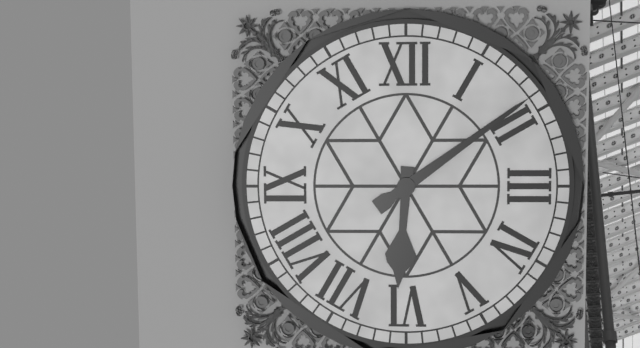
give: {"hour": 6, "minute": 9}
